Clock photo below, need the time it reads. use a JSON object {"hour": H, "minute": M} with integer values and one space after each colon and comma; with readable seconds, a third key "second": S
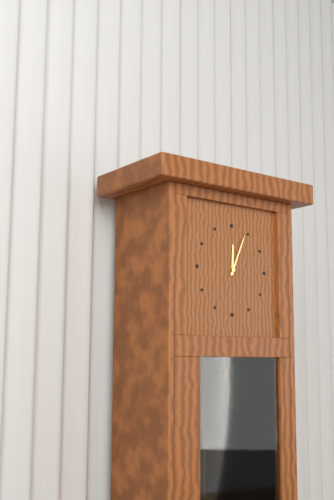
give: {"hour": 12, "minute": 4}
